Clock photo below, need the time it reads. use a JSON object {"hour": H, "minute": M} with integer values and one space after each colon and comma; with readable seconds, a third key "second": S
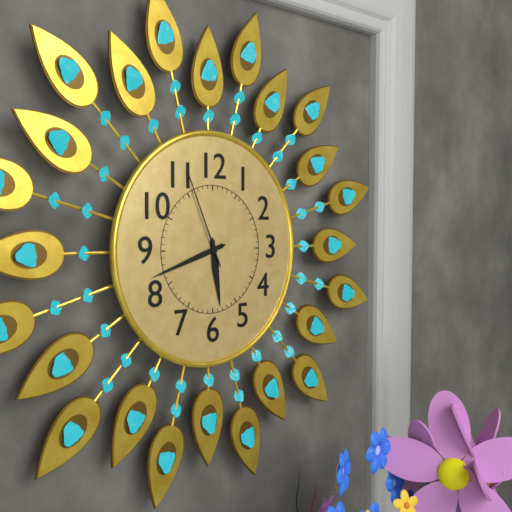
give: {"hour": 5, "minute": 42, "second": 56}
